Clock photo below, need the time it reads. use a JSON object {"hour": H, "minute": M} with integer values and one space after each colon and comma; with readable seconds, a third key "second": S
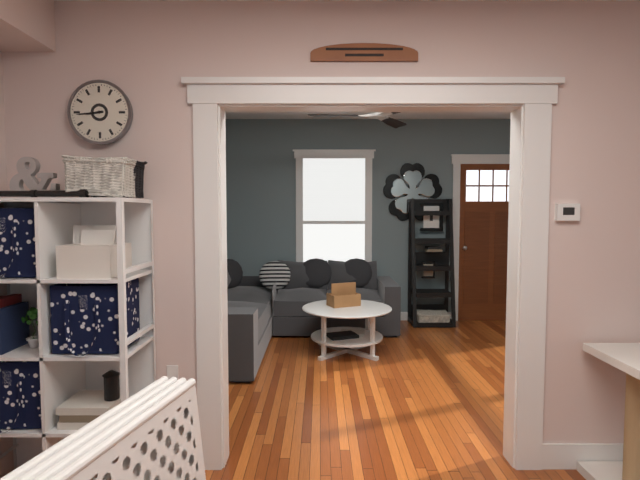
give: {"hour": 8, "minute": 44}
